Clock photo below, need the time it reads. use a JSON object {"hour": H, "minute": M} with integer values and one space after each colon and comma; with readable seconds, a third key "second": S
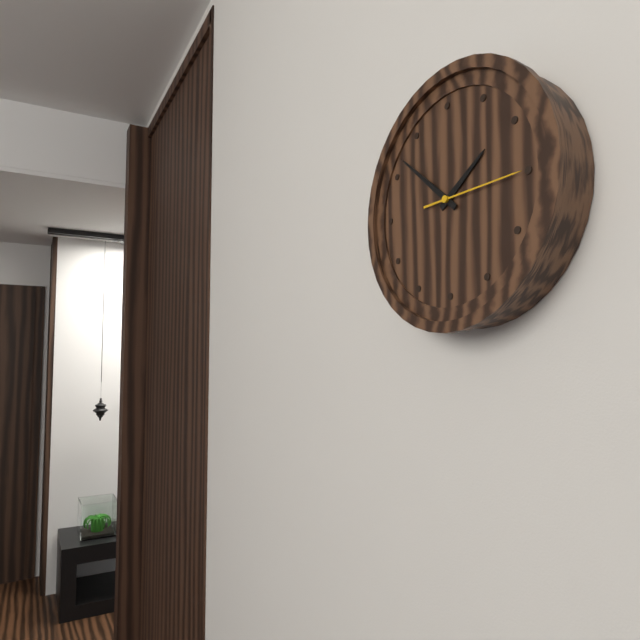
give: {"hour": 1, "minute": 52, "second": 15}
